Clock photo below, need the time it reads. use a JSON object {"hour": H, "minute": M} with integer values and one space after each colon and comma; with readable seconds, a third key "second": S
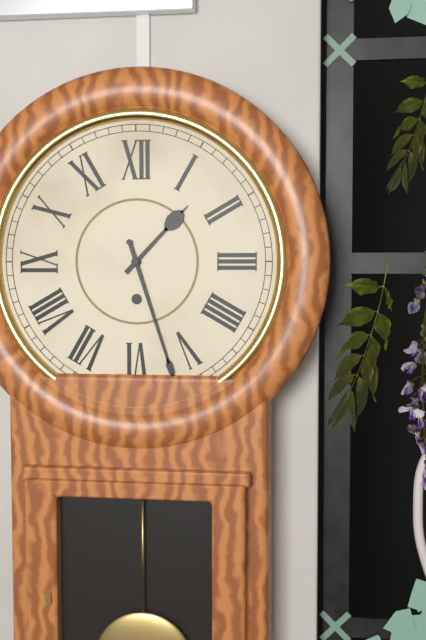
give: {"hour": 1, "minute": 27}
